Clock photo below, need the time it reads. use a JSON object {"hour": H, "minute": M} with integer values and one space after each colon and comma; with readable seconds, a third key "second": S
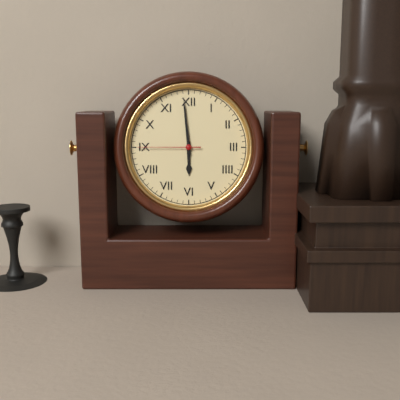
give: {"hour": 5, "minute": 59, "second": 45}
